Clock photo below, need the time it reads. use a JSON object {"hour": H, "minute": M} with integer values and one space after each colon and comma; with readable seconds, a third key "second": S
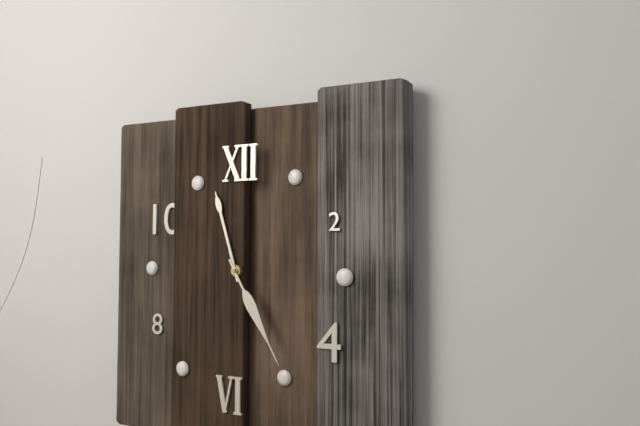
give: {"hour": 11, "minute": 25}
